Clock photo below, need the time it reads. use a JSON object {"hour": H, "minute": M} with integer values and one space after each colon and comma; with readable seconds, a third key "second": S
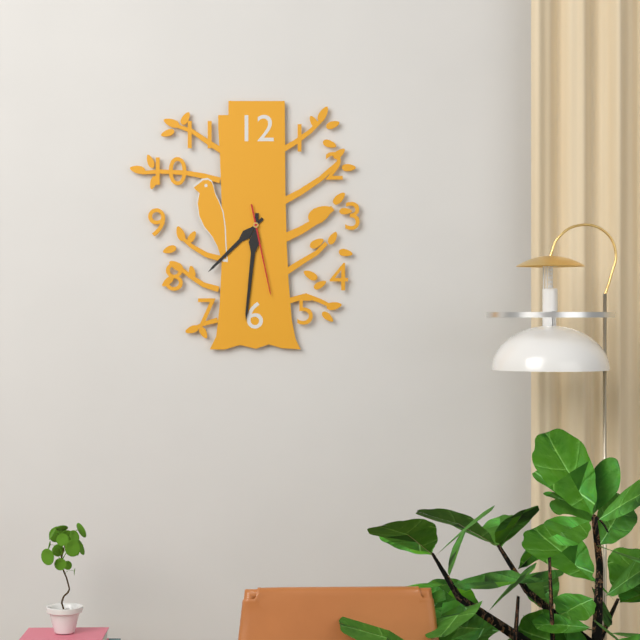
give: {"hour": 7, "minute": 31, "second": 28}
